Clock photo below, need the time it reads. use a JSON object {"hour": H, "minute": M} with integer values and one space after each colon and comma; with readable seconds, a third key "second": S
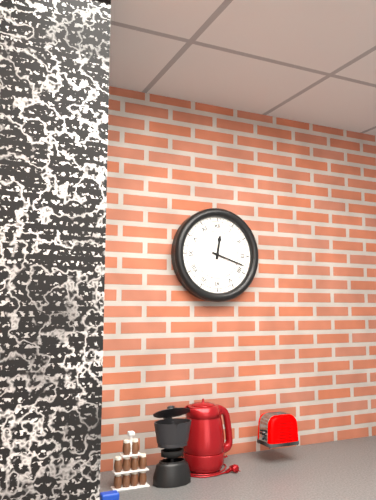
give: {"hour": 12, "minute": 18}
